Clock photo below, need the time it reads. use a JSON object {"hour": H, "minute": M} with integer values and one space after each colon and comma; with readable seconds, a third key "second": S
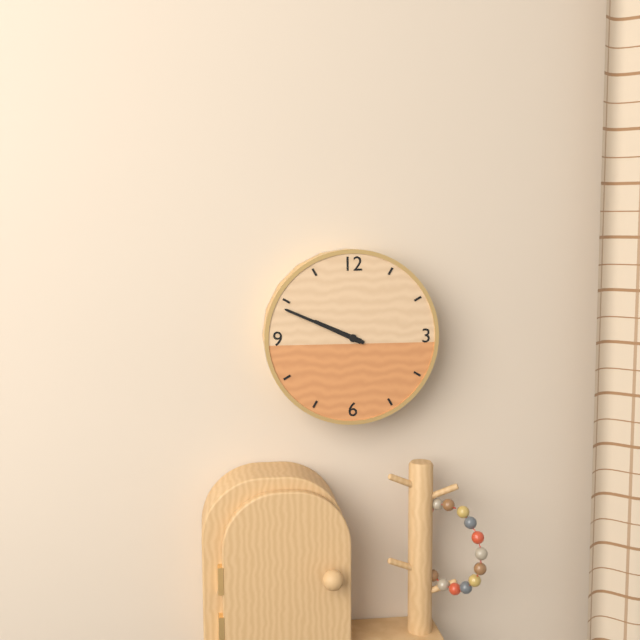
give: {"hour": 9, "minute": 49}
